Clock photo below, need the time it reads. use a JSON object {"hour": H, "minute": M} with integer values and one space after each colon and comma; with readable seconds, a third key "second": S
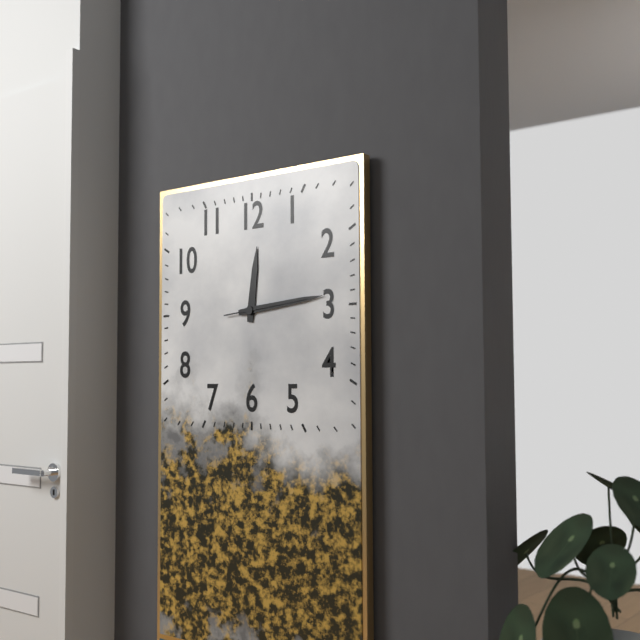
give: {"hour": 12, "minute": 14, "second": 14}
